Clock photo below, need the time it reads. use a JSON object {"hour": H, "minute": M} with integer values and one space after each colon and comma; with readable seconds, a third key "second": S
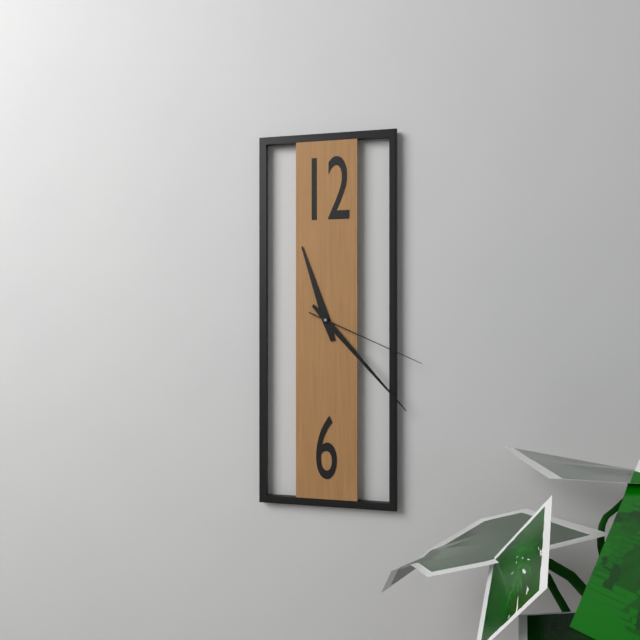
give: {"hour": 11, "minute": 23, "second": 19}
